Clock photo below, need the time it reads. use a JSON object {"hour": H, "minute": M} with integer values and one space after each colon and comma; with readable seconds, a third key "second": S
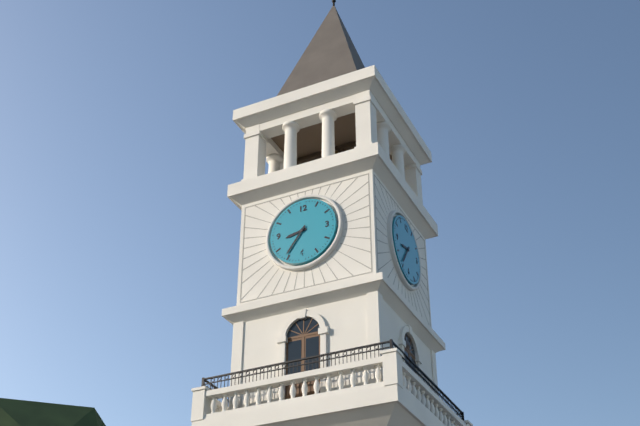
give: {"hour": 8, "minute": 36}
